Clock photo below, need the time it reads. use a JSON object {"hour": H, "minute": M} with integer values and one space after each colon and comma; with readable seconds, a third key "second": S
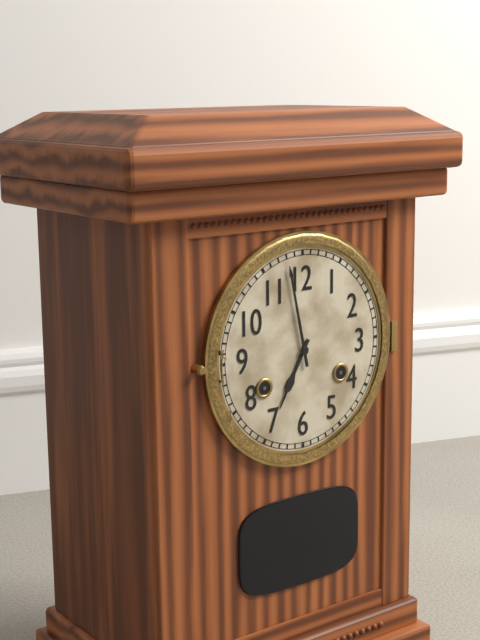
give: {"hour": 6, "minute": 58}
